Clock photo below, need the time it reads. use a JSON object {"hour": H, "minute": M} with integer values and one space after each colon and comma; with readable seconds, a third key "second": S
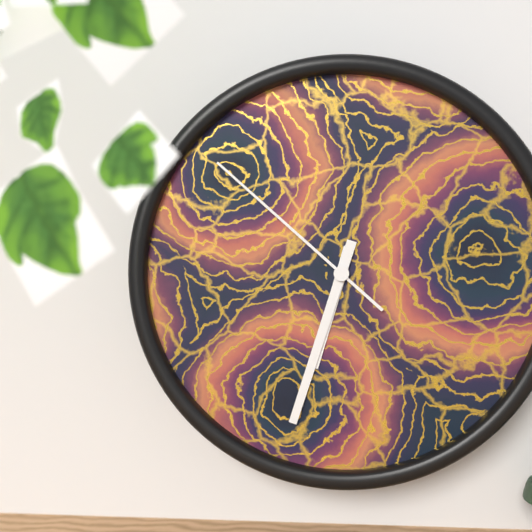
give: {"hour": 6, "minute": 33, "second": 52}
